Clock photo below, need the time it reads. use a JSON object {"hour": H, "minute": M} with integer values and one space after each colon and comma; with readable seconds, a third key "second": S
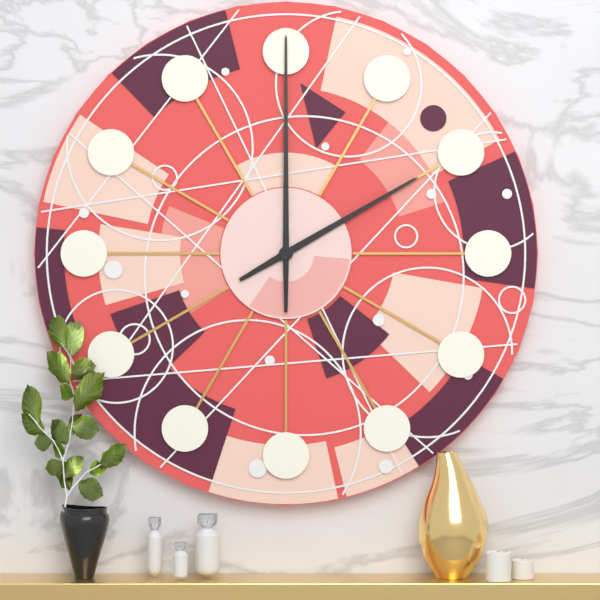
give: {"hour": 2, "minute": 0}
